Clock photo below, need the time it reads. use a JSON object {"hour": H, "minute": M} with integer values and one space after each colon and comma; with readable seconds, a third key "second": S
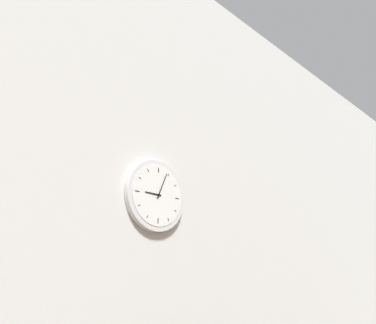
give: {"hour": 9, "minute": 4}
